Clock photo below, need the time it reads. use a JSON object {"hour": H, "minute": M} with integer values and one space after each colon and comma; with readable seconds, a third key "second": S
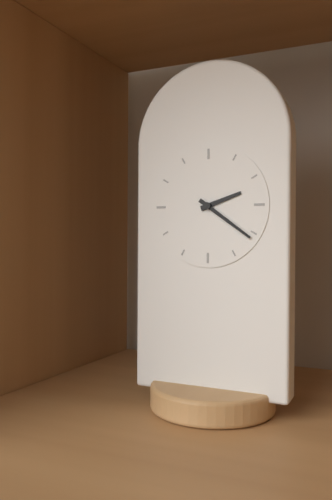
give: {"hour": 2, "minute": 21}
